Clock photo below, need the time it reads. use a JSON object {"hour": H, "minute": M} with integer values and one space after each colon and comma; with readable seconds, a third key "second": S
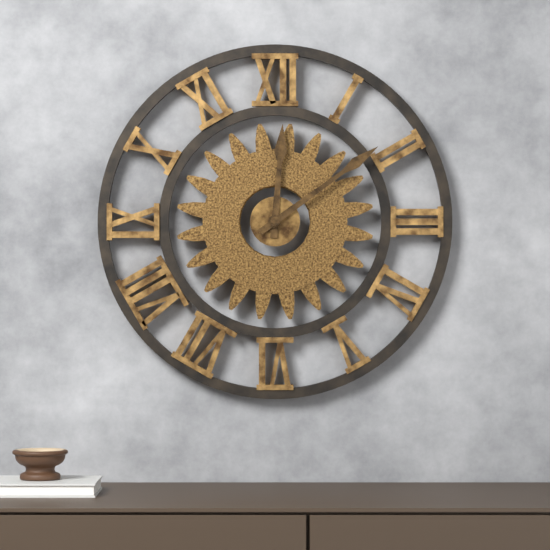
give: {"hour": 12, "minute": 9}
